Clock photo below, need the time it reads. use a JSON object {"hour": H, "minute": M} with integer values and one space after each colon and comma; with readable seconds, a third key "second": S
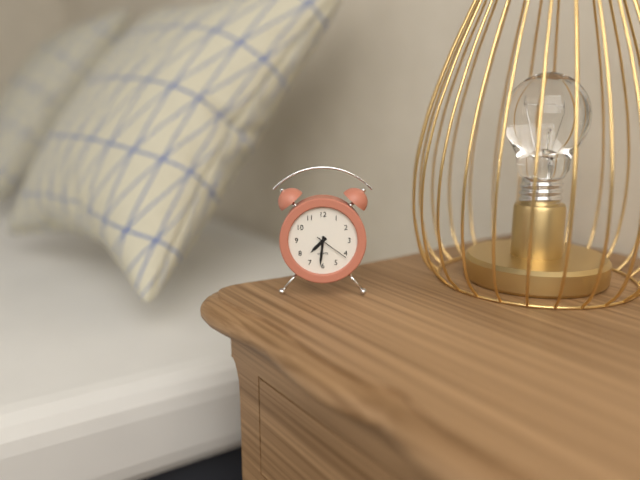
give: {"hour": 7, "minute": 31}
